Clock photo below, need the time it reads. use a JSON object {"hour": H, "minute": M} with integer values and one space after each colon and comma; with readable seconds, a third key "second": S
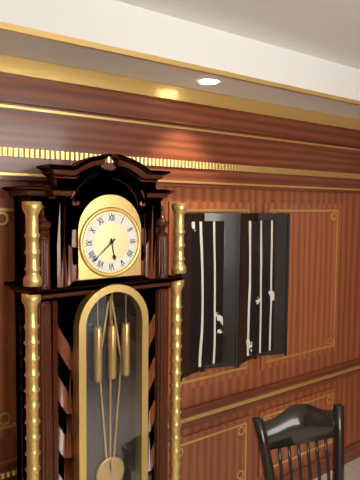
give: {"hour": 5, "minute": 38}
